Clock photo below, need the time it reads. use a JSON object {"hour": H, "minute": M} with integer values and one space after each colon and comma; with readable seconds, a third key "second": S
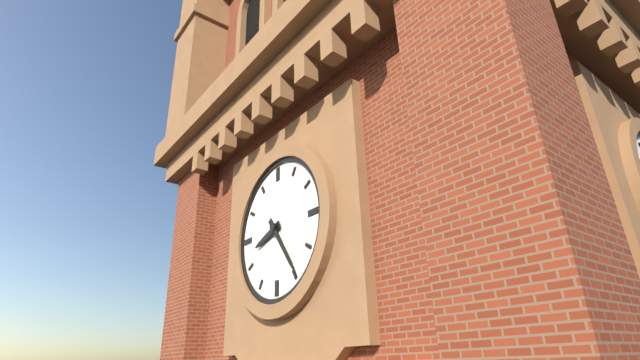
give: {"hour": 8, "minute": 24}
